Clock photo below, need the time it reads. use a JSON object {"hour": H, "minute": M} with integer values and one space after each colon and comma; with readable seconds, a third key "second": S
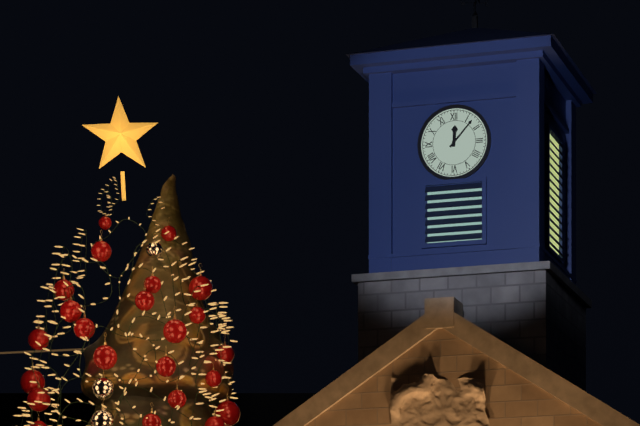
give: {"hour": 12, "minute": 7}
